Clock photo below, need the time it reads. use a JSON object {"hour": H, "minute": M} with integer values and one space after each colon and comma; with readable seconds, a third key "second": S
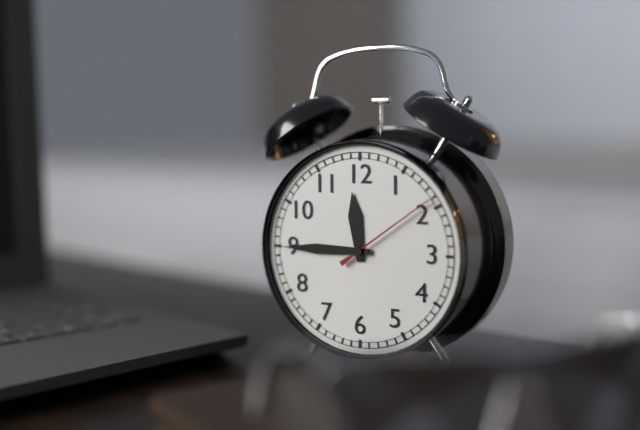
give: {"hour": 11, "minute": 45, "second": 9}
